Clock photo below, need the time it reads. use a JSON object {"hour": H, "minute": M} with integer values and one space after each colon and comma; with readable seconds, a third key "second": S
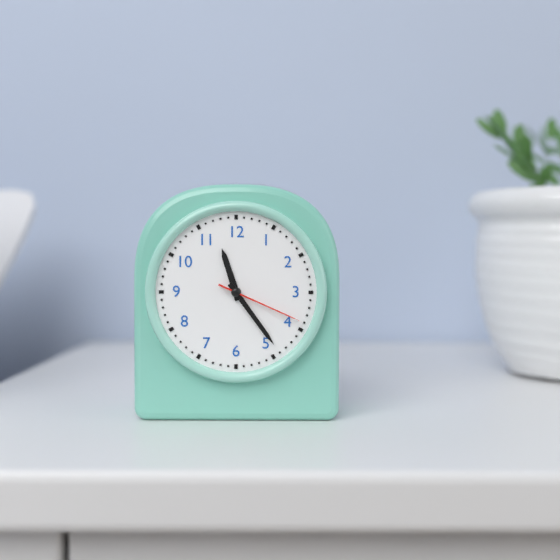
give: {"hour": 11, "minute": 24, "second": 19}
